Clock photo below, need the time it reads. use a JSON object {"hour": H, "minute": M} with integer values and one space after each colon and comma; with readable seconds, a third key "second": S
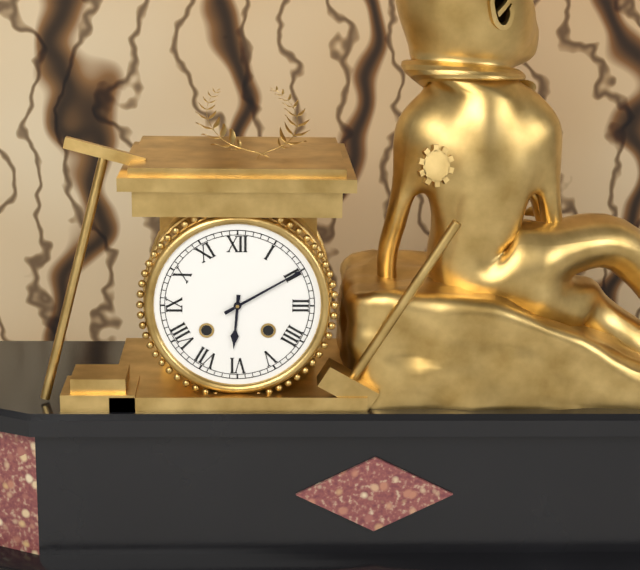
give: {"hour": 6, "minute": 10}
